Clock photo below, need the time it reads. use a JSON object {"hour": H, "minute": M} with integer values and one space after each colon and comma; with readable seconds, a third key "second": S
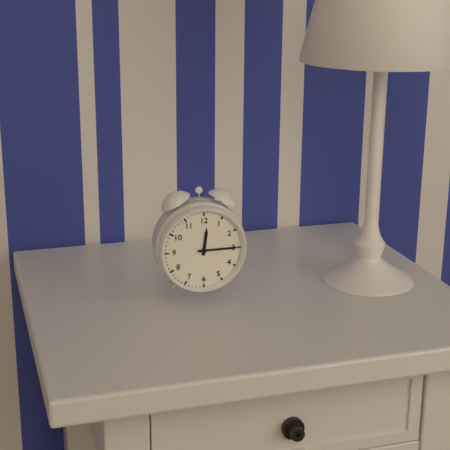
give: {"hour": 12, "minute": 15}
